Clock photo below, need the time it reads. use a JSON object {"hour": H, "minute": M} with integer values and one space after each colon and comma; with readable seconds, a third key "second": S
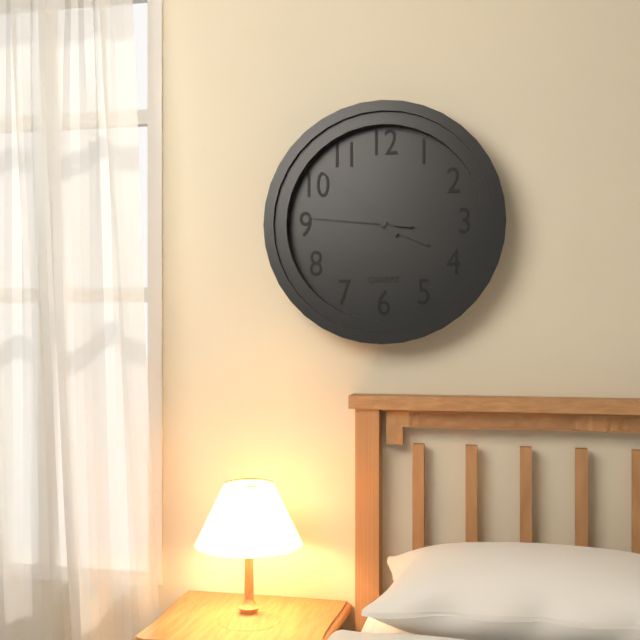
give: {"hour": 3, "minute": 52, "second": 46}
